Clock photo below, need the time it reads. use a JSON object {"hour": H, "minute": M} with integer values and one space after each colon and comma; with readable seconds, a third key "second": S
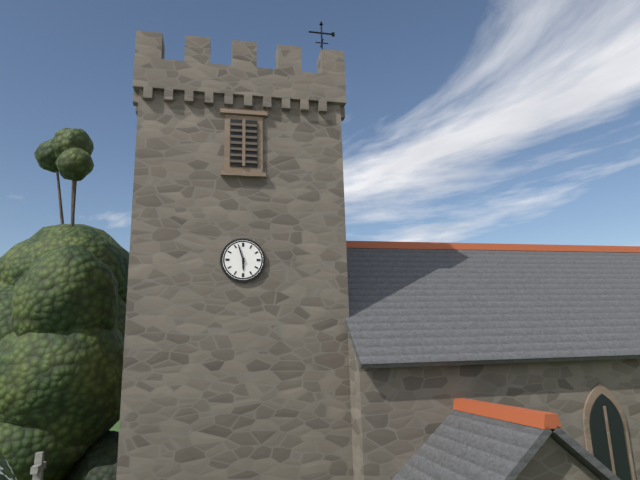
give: {"hour": 5, "minute": 57}
